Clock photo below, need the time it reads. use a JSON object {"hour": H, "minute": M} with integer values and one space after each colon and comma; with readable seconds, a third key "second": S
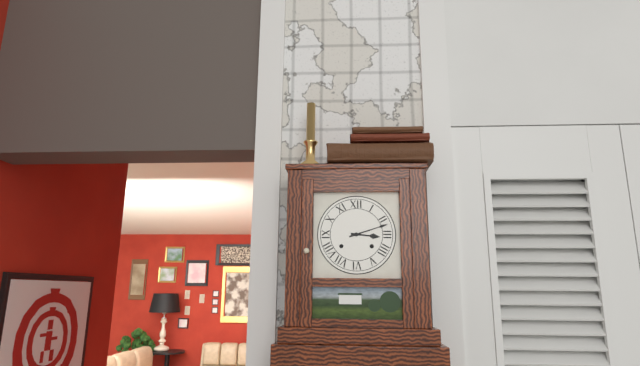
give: {"hour": 3, "minute": 12}
